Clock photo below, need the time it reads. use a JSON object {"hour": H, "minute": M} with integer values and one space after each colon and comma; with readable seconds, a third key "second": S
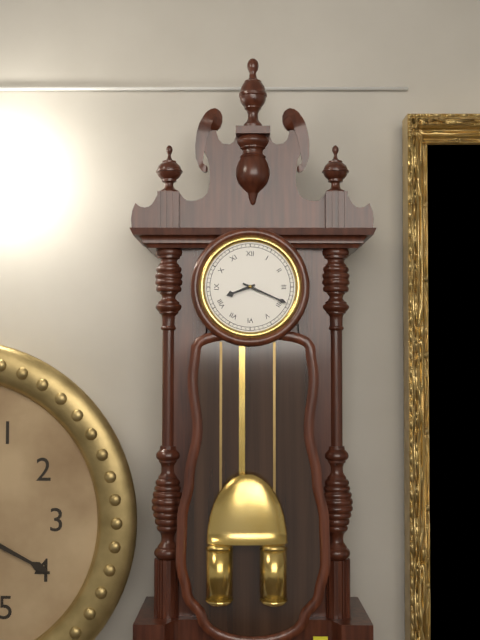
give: {"hour": 8, "minute": 19}
